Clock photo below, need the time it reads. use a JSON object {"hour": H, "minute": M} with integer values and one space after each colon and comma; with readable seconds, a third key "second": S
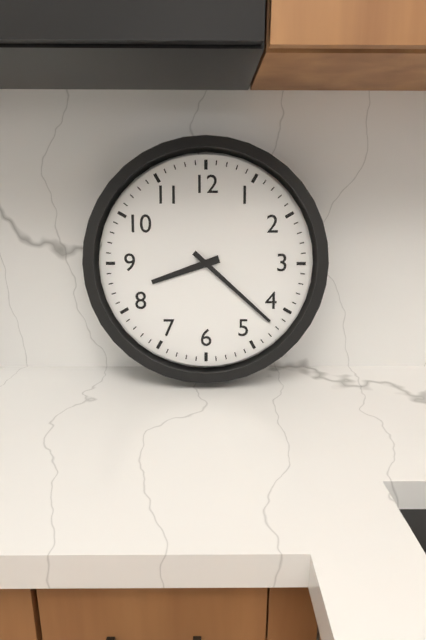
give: {"hour": 8, "minute": 22}
